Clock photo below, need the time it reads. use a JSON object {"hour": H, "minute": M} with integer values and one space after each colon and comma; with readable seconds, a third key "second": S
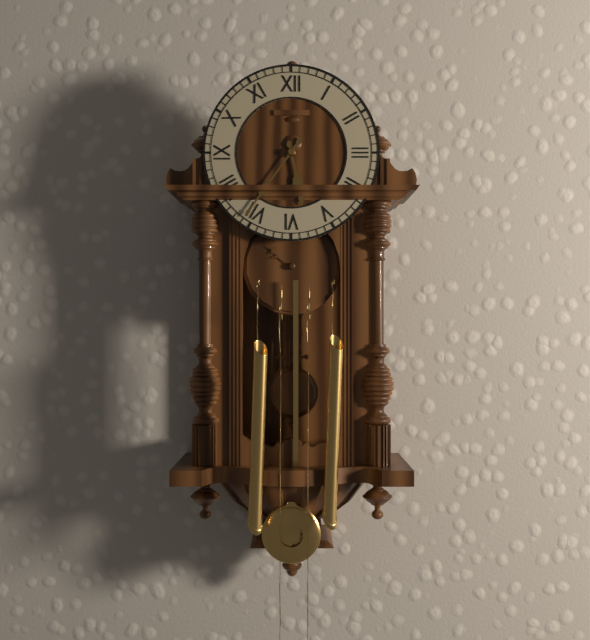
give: {"hour": 5, "minute": 36}
